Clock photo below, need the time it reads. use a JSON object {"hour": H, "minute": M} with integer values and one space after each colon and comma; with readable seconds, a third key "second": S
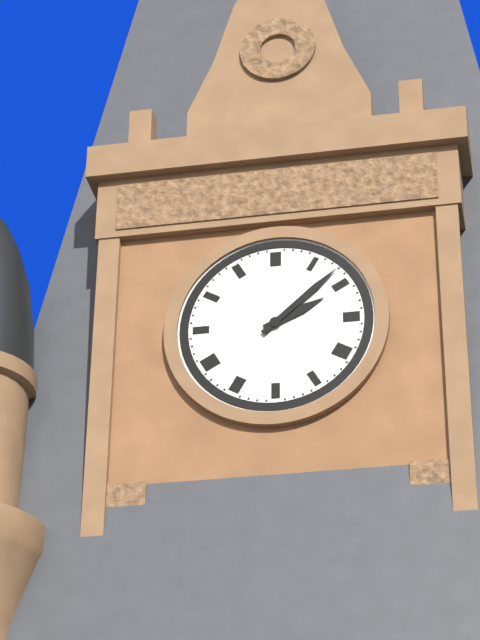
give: {"hour": 2, "minute": 8}
